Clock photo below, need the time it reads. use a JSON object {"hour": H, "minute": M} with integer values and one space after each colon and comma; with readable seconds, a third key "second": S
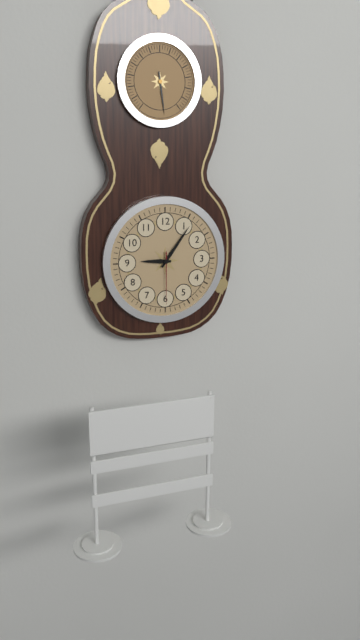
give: {"hour": 9, "minute": 6, "second": 30}
